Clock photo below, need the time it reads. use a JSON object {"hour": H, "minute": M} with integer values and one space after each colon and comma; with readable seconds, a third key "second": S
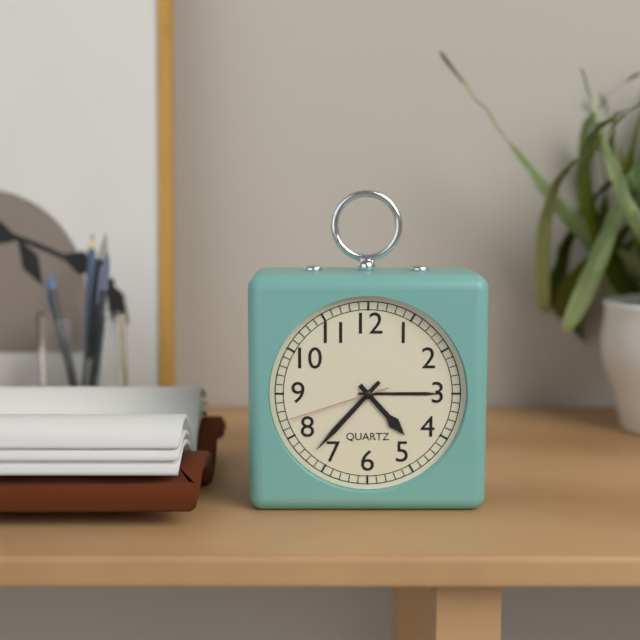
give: {"hour": 4, "minute": 37, "second": 42}
